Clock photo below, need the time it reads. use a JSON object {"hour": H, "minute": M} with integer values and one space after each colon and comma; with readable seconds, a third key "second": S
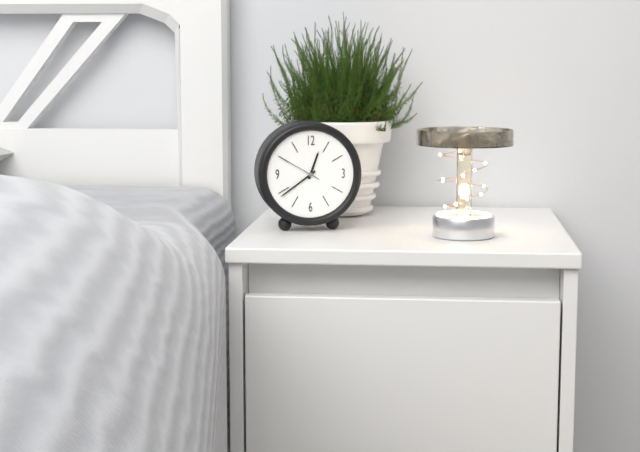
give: {"hour": 12, "minute": 39}
